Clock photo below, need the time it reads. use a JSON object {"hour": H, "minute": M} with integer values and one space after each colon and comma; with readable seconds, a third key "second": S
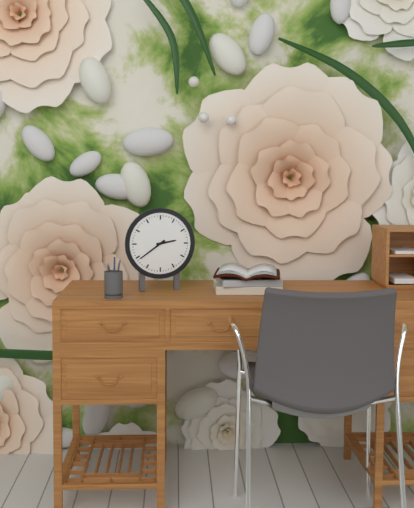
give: {"hour": 2, "minute": 39}
